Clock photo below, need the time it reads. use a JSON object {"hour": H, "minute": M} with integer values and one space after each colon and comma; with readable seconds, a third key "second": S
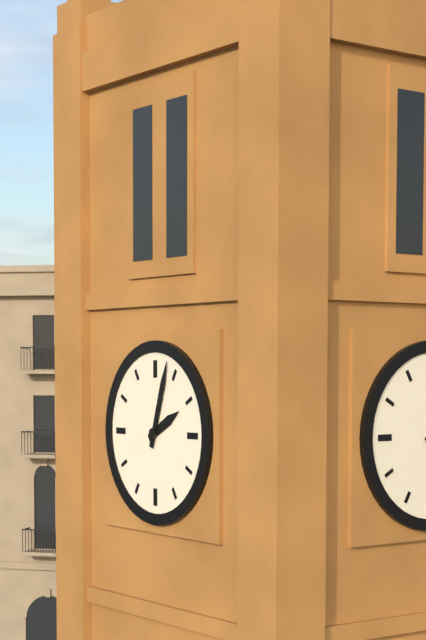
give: {"hour": 2, "minute": 3}
